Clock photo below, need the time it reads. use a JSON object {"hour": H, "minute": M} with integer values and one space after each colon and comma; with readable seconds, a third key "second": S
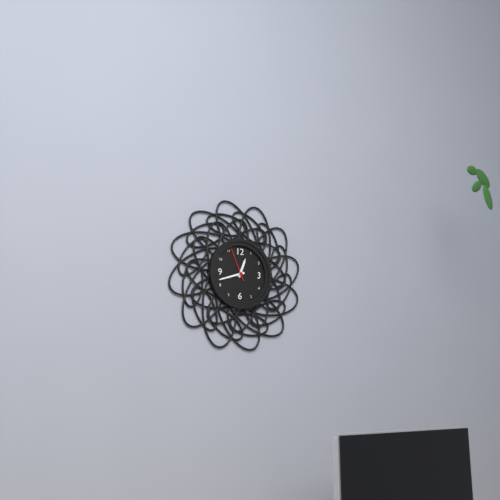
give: {"hour": 12, "minute": 42}
